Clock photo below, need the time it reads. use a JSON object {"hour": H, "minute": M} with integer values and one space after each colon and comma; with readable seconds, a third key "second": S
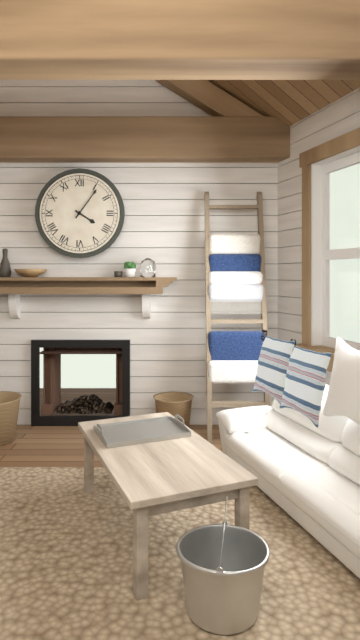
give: {"hour": 4, "minute": 6}
